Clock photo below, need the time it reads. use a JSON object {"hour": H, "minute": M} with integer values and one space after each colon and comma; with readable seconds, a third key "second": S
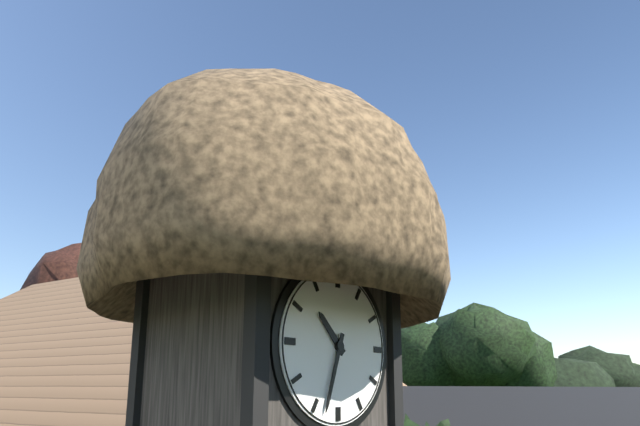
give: {"hour": 10, "minute": 33}
